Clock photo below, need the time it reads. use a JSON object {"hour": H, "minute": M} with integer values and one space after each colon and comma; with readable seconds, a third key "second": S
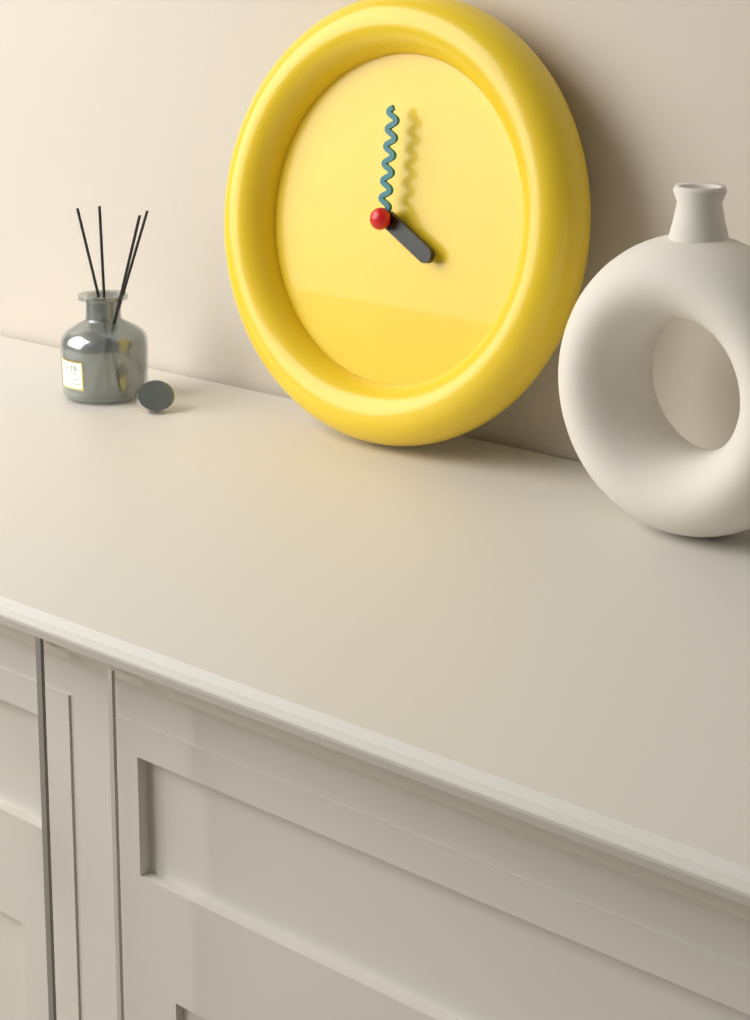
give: {"hour": 4, "minute": 0}
